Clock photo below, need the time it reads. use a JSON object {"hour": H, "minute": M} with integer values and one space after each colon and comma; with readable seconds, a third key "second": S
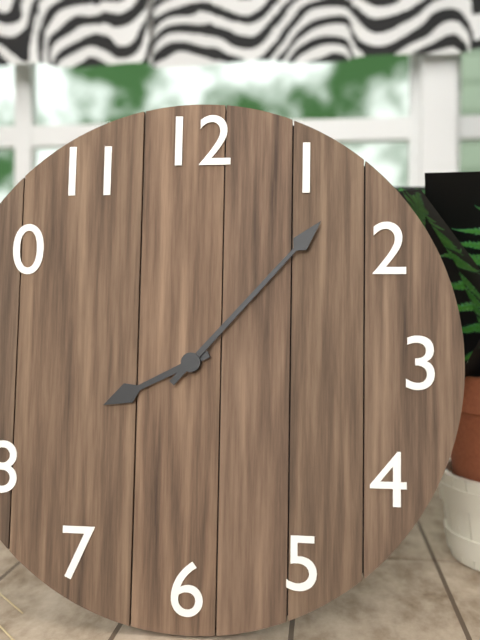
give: {"hour": 8, "minute": 7}
